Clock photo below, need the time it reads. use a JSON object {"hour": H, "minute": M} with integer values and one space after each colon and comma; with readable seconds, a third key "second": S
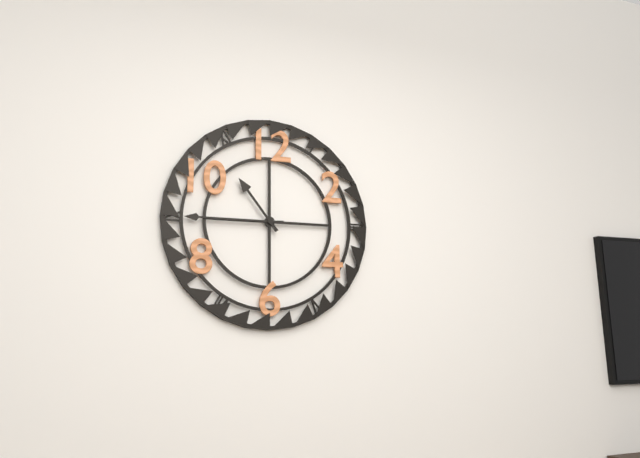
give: {"hour": 10, "minute": 45}
